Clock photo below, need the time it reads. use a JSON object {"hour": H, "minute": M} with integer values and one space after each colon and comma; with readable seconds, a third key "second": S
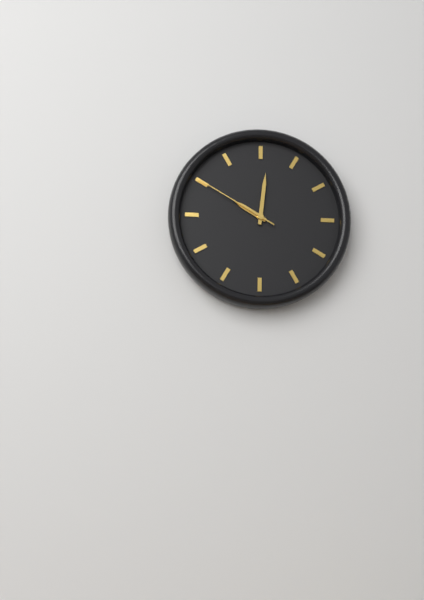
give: {"hour": 10, "minute": 1, "second": 50}
